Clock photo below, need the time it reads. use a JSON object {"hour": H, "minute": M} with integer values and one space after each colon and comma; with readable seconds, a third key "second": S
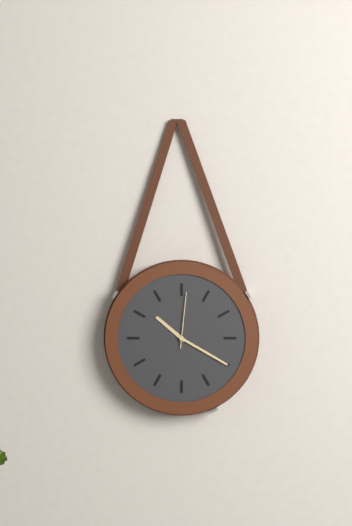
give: {"hour": 10, "minute": 20, "second": 1}
